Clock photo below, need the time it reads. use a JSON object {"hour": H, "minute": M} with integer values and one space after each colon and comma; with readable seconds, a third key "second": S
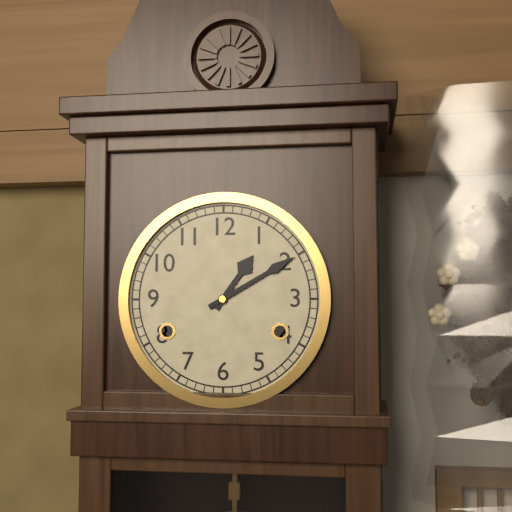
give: {"hour": 1, "minute": 10}
